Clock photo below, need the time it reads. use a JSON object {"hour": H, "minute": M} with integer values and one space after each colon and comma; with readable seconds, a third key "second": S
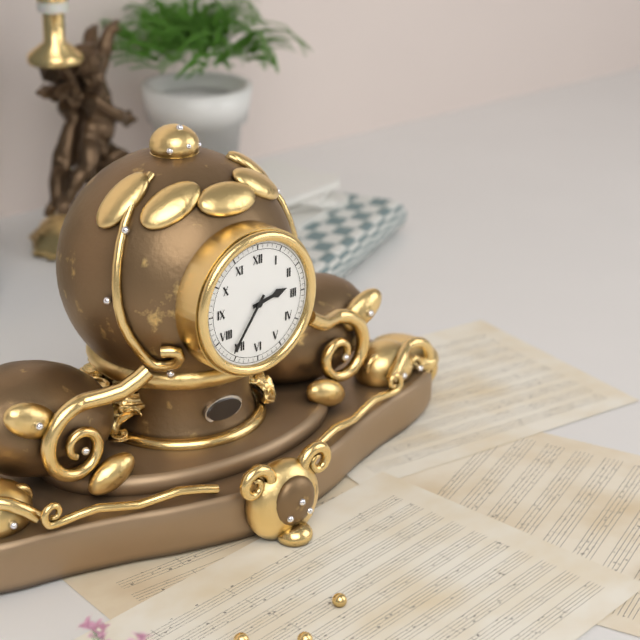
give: {"hour": 2, "minute": 36}
